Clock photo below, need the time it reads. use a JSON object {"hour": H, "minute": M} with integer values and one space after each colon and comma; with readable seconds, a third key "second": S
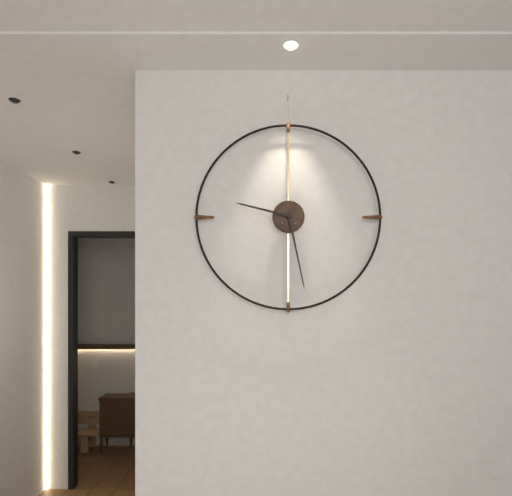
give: {"hour": 9, "minute": 28}
